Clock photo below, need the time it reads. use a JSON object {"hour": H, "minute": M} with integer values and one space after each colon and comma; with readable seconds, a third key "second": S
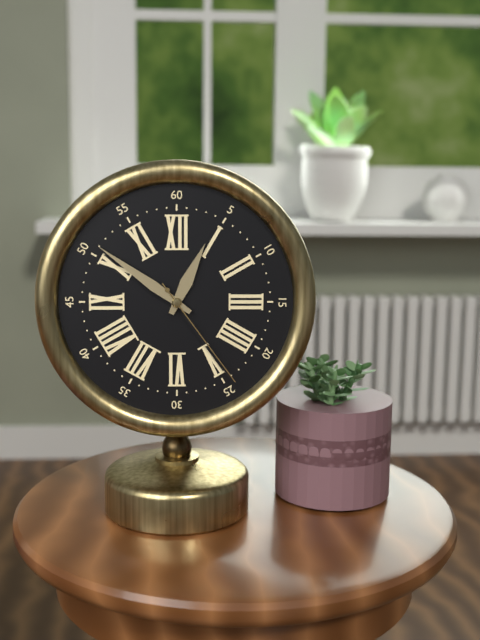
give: {"hour": 12, "minute": 51, "second": 24}
